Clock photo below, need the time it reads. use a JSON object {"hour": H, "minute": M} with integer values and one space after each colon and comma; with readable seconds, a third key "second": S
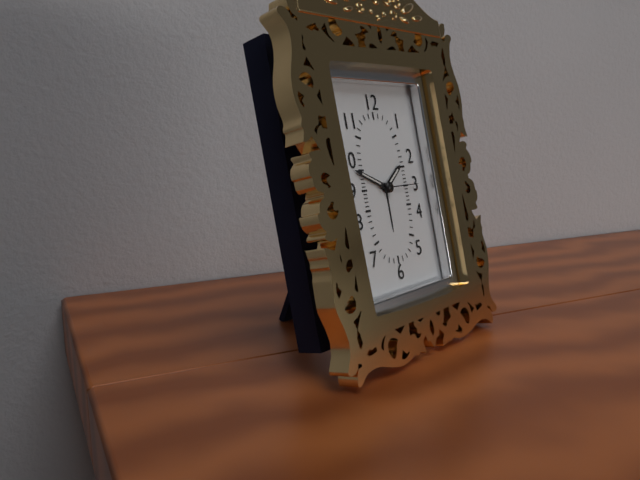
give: {"hour": 1, "minute": 49}
